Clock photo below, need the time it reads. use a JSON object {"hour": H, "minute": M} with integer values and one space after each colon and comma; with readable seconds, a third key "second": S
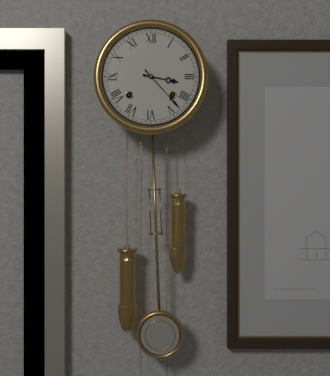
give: {"hour": 3, "minute": 23}
